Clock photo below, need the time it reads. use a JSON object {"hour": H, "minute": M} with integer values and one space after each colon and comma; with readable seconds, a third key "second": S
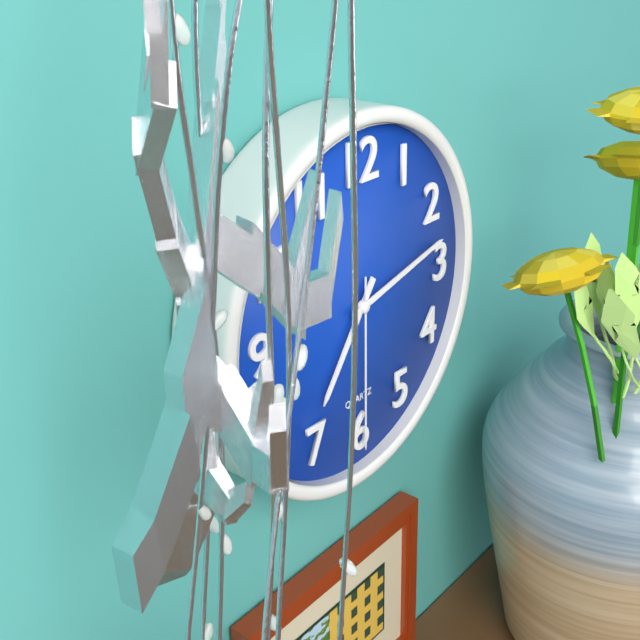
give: {"hour": 7, "minute": 13, "second": 30}
